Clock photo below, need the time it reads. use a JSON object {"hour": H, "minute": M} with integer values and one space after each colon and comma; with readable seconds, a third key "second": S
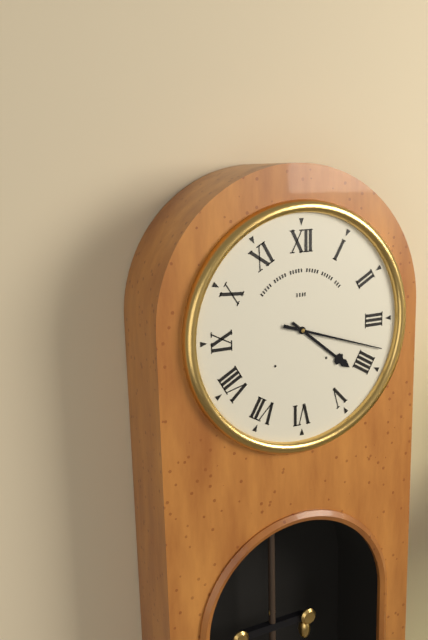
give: {"hour": 4, "minute": 18}
